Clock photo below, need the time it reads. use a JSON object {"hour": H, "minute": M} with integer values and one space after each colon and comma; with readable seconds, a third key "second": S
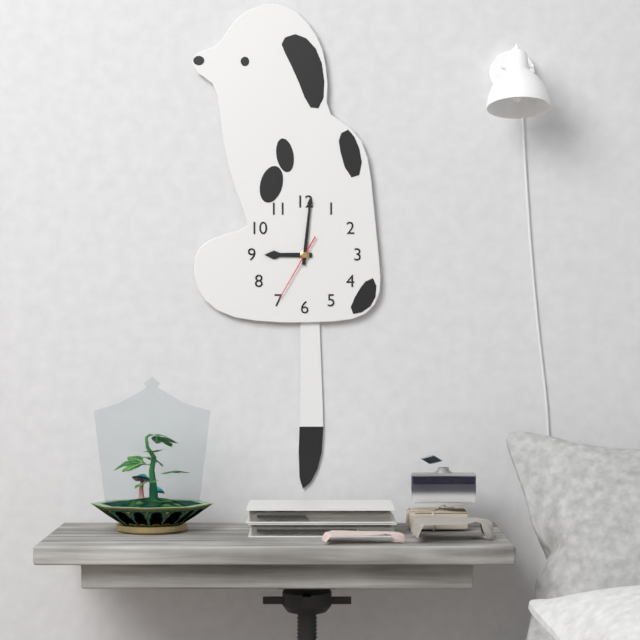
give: {"hour": 9, "minute": 1, "second": 35}
